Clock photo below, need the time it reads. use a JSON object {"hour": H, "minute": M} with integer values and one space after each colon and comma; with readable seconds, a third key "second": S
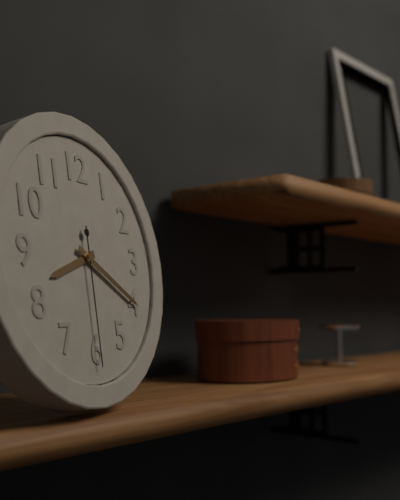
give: {"hour": 8, "minute": 20, "second": 30}
